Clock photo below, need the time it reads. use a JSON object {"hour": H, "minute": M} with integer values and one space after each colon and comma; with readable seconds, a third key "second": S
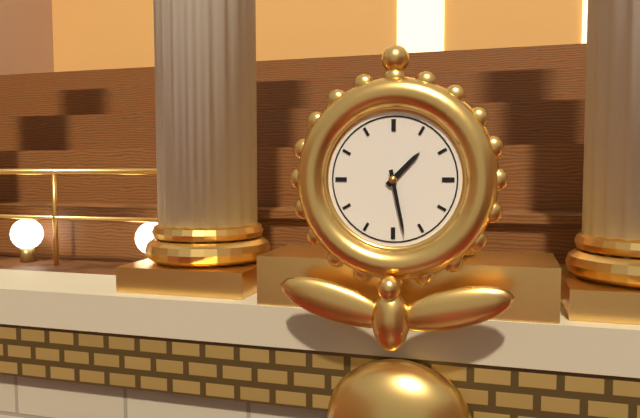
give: {"hour": 1, "minute": 28}
